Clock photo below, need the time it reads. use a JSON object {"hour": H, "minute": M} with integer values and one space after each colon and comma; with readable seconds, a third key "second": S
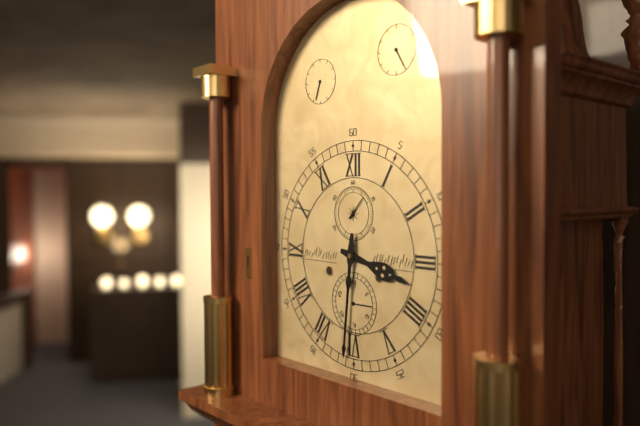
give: {"hour": 3, "minute": 31}
